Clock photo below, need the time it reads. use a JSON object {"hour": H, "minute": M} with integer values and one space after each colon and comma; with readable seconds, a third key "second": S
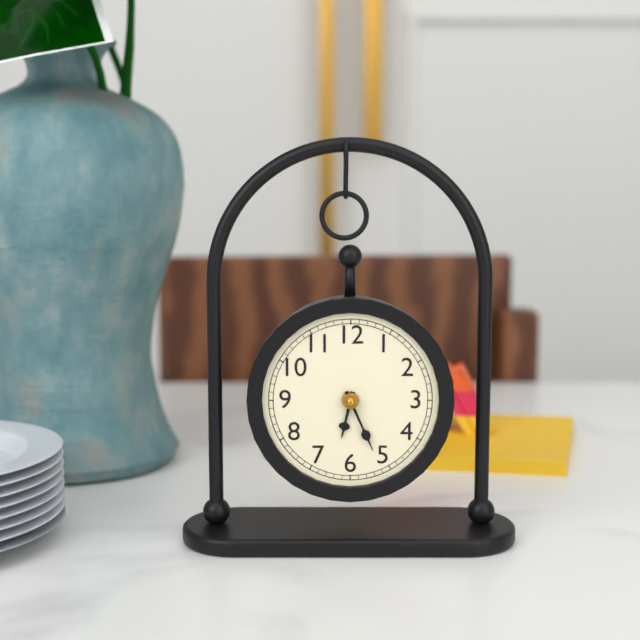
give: {"hour": 6, "minute": 26}
